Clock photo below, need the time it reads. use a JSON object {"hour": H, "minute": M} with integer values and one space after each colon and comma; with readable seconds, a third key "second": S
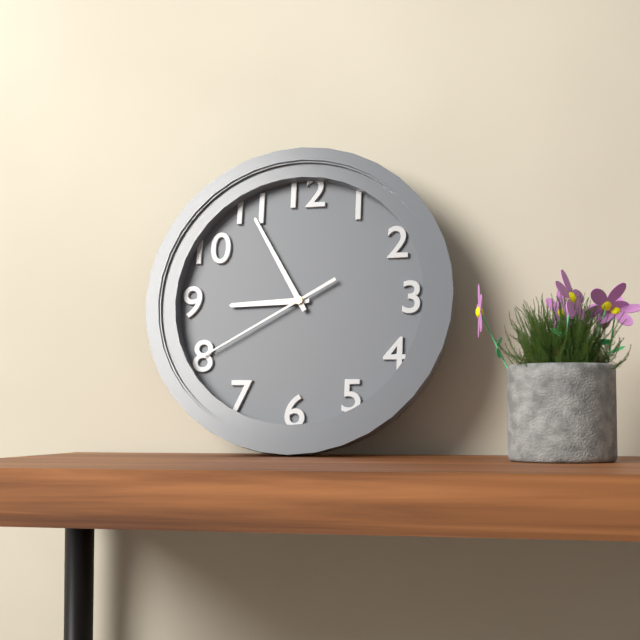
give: {"hour": 8, "minute": 55, "second": 40}
